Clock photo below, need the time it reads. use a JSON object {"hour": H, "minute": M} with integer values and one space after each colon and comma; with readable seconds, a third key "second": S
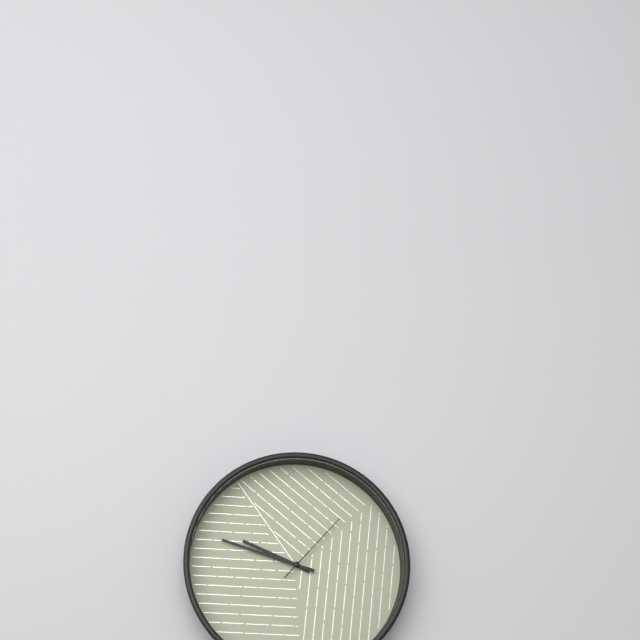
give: {"hour": 9, "minute": 48, "second": 7}
